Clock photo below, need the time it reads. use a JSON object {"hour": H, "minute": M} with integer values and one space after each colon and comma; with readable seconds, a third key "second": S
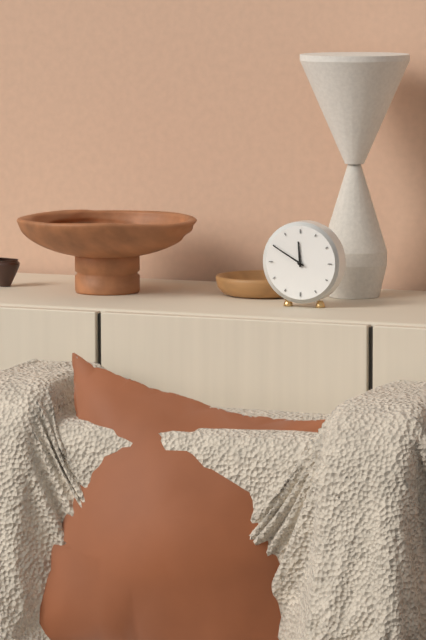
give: {"hour": 11, "minute": 50}
